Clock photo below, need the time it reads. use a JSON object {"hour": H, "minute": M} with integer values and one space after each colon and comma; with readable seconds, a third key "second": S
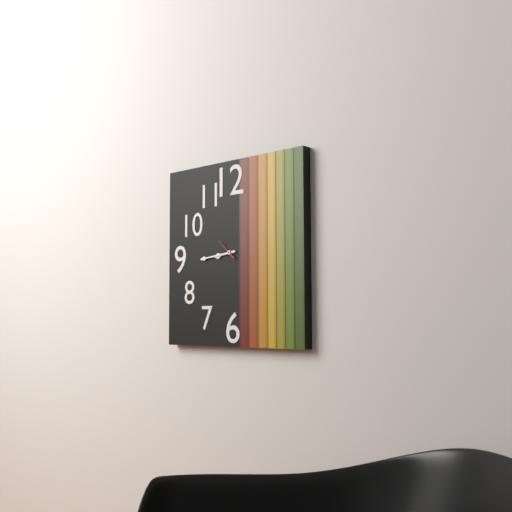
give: {"hour": 8, "minute": 44}
